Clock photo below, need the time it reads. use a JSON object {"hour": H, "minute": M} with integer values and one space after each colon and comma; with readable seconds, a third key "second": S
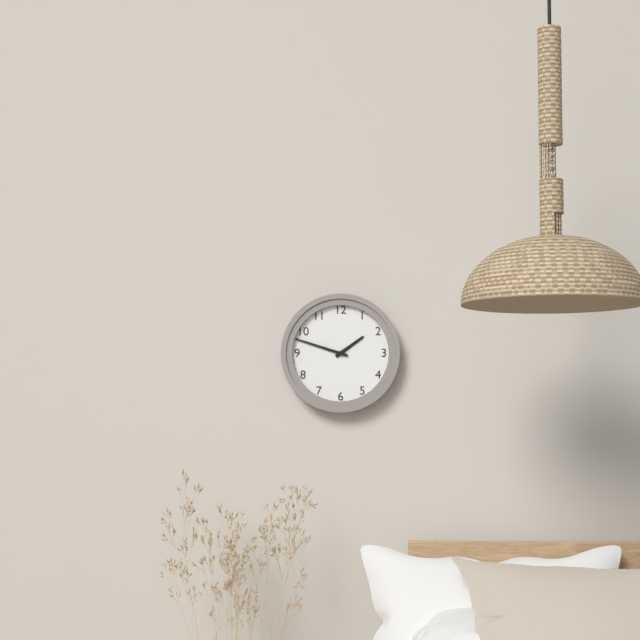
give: {"hour": 1, "minute": 48}
